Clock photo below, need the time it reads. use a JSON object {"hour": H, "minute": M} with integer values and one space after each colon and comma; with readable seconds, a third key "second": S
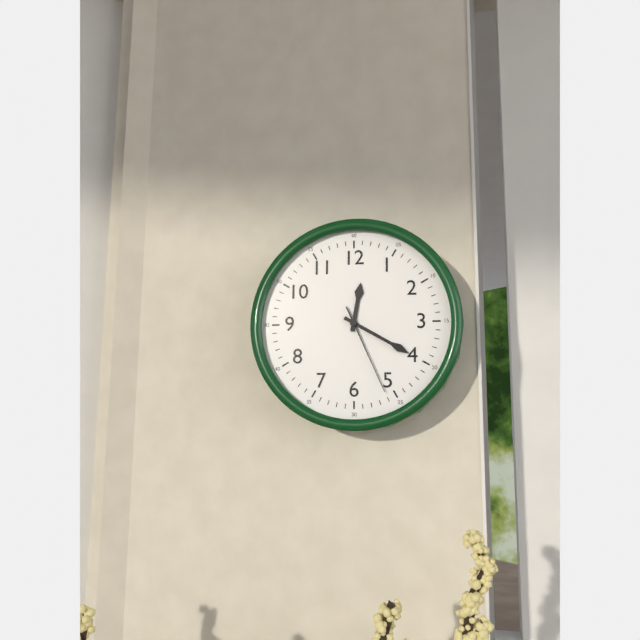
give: {"hour": 12, "minute": 20, "second": 26}
